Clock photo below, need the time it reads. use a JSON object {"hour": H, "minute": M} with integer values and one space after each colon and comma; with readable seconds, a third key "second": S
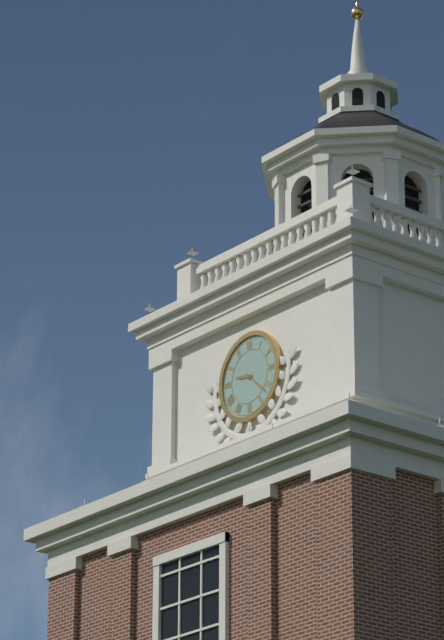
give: {"hour": 9, "minute": 22}
